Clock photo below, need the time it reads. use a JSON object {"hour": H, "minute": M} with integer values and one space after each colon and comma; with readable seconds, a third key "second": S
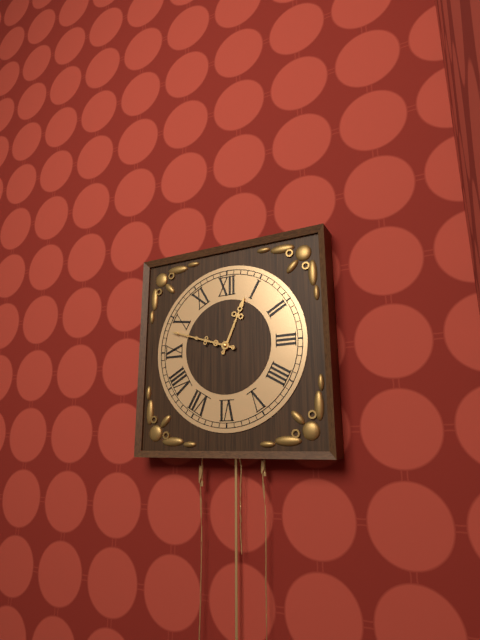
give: {"hour": 12, "minute": 48}
